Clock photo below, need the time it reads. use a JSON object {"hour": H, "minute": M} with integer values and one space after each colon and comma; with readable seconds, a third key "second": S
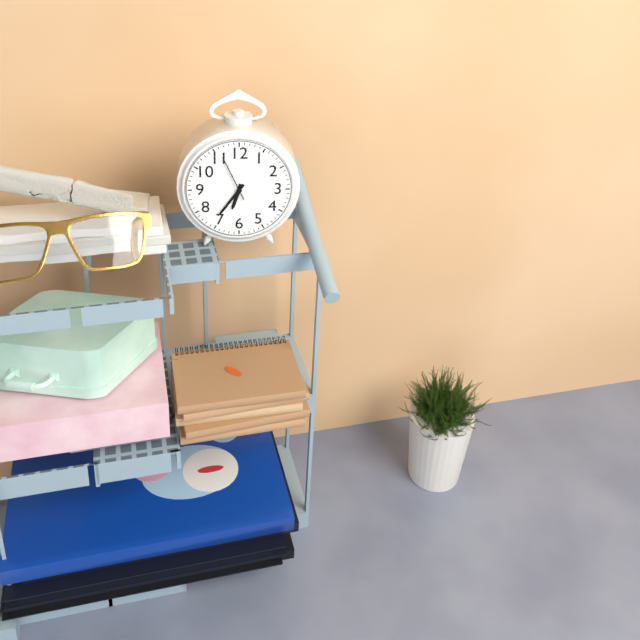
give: {"hour": 6, "minute": 36}
